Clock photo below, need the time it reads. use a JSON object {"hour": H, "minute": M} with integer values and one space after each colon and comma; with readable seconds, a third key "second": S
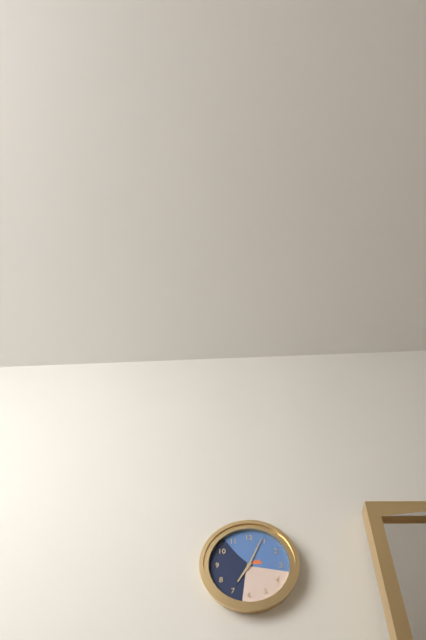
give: {"hour": 7, "minute": 4}
